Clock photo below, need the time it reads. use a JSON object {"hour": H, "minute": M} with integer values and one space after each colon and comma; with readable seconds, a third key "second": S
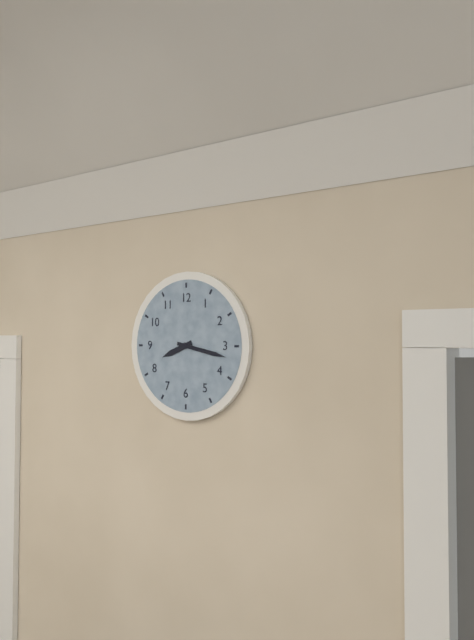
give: {"hour": 8, "minute": 17}
